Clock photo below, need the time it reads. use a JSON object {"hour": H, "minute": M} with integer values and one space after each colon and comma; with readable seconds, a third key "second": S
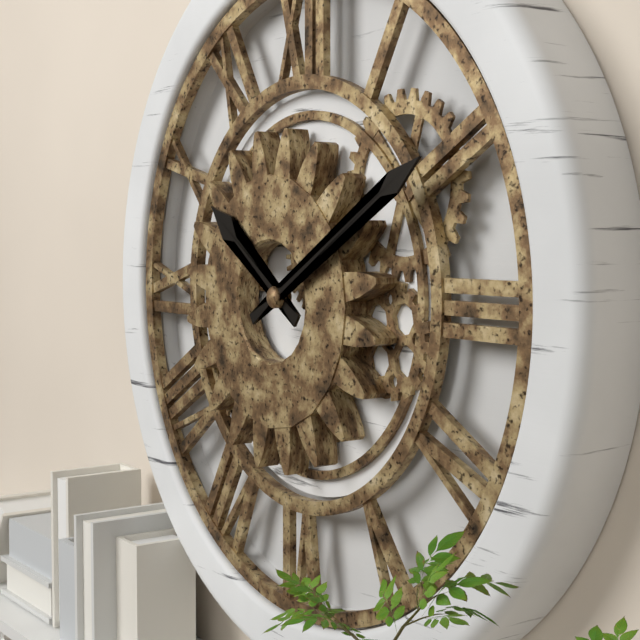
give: {"hour": 10, "minute": 10}
